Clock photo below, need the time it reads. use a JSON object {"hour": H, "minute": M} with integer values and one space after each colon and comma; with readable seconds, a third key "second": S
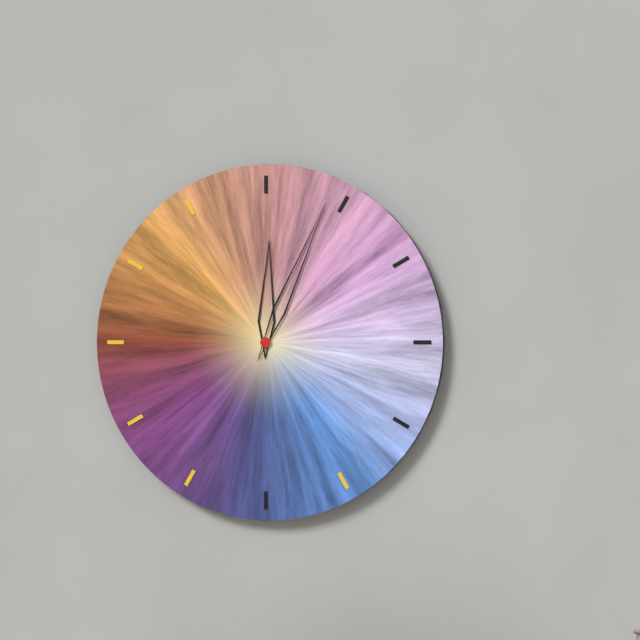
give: {"hour": 12, "minute": 4}
